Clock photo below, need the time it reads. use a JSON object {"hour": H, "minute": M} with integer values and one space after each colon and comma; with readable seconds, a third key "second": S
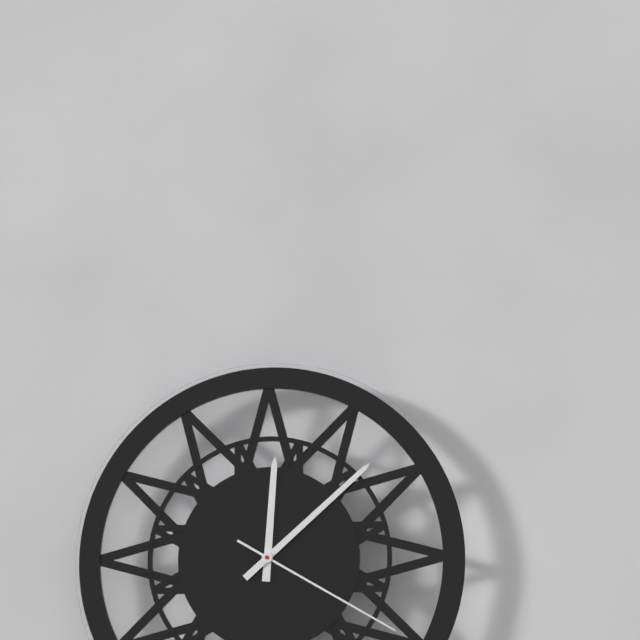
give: {"hour": 12, "minute": 8, "second": 20}
